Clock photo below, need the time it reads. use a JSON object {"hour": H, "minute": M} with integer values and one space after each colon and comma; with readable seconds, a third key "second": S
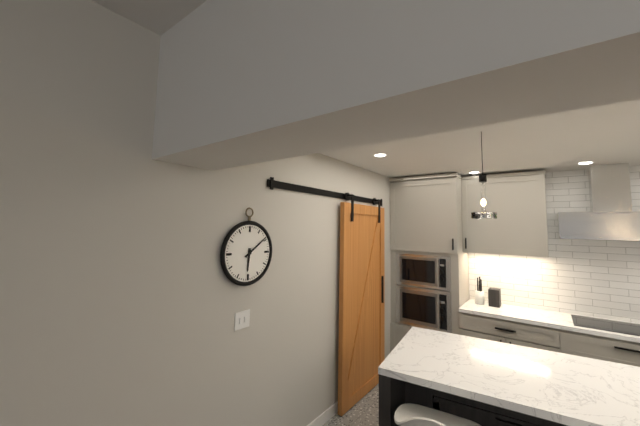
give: {"hour": 6, "minute": 9}
